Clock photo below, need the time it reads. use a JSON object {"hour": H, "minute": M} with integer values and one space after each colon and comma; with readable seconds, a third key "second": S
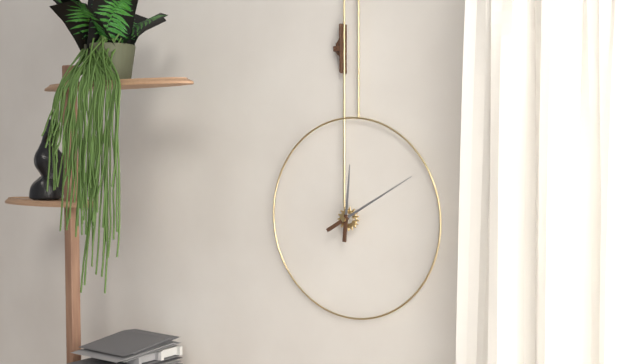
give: {"hour": 12, "minute": 10}
